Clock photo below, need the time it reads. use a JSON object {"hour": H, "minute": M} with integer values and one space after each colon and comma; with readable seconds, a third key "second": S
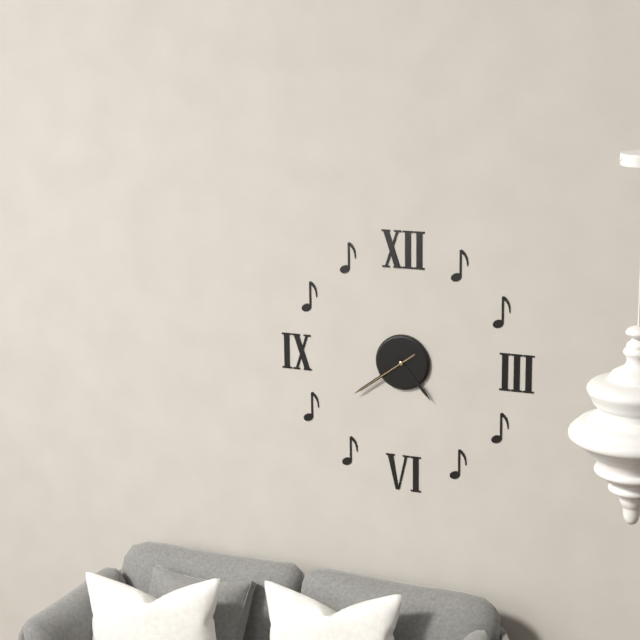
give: {"hour": 4, "minute": 39, "second": 39}
